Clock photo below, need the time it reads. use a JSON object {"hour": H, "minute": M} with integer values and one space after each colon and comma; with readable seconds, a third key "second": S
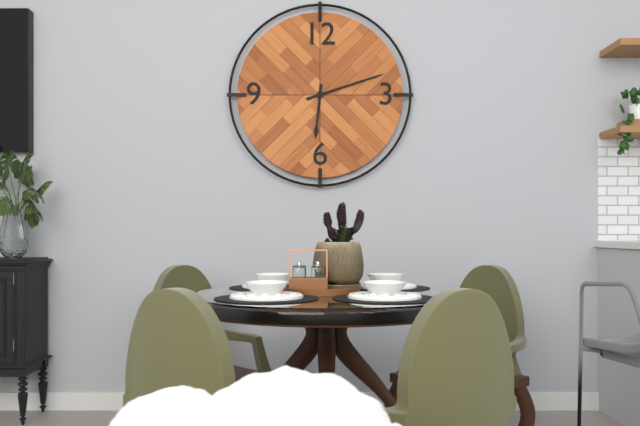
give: {"hour": 6, "minute": 12}
